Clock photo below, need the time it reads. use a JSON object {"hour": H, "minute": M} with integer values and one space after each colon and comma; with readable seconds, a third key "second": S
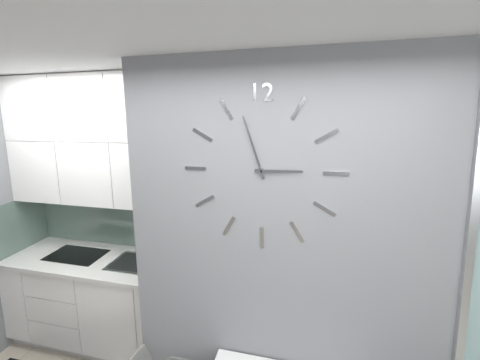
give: {"hour": 2, "minute": 57}
